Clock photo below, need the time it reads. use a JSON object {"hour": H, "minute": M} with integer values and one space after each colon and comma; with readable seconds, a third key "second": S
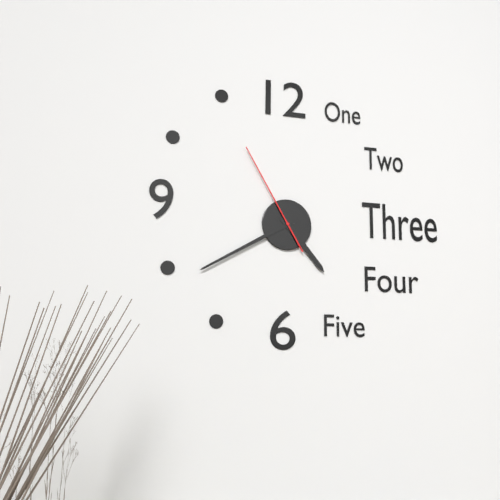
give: {"hour": 4, "minute": 40, "second": 55}
